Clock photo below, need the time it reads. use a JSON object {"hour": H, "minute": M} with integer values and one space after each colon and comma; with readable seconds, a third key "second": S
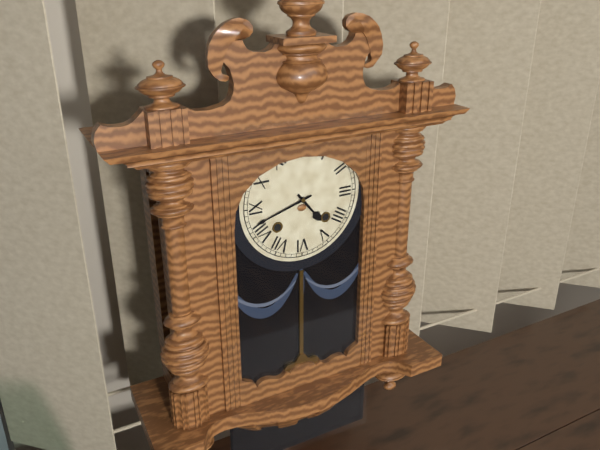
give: {"hour": 4, "minute": 42}
